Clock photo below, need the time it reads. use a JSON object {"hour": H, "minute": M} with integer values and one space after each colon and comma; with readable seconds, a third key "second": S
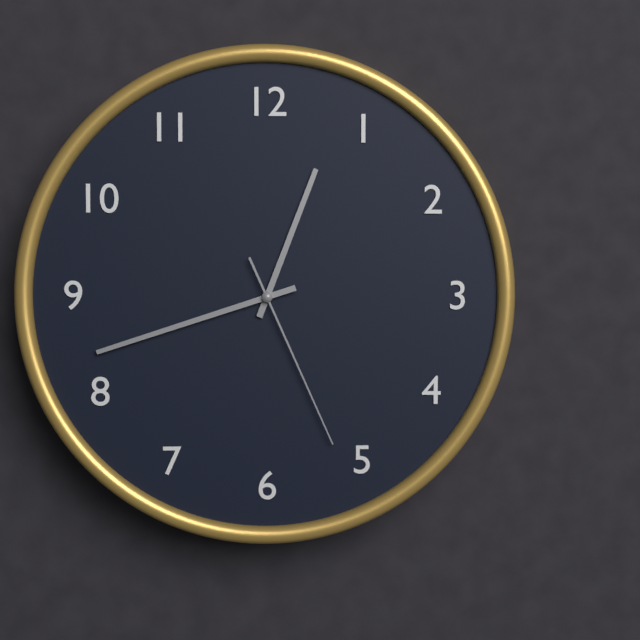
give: {"hour": 12, "minute": 42, "second": 26}
